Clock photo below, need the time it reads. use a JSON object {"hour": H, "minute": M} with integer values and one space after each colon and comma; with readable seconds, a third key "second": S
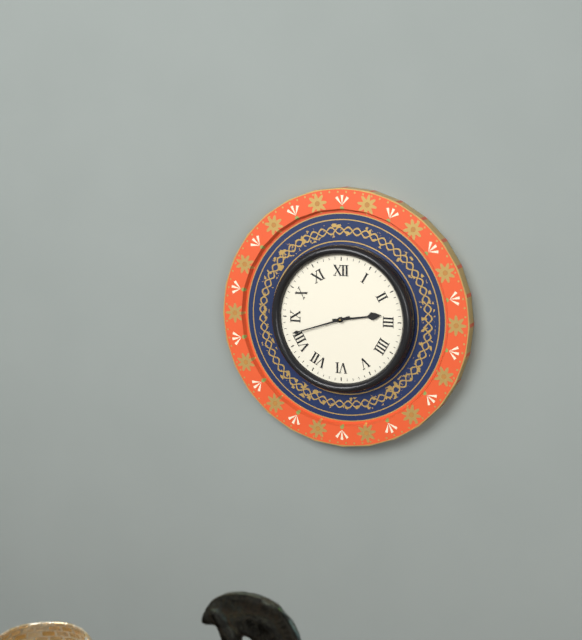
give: {"hour": 2, "minute": 42}
